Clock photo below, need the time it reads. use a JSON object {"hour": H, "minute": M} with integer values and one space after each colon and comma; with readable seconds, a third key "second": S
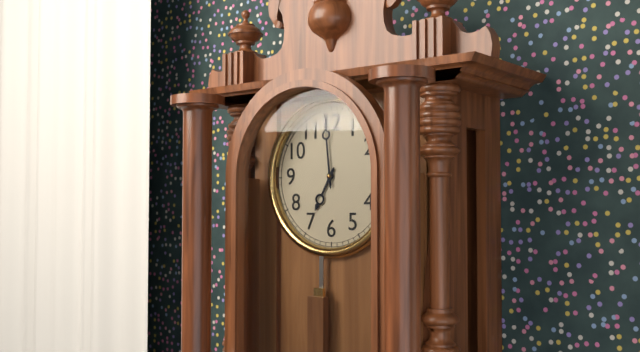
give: {"hour": 6, "minute": 59}
